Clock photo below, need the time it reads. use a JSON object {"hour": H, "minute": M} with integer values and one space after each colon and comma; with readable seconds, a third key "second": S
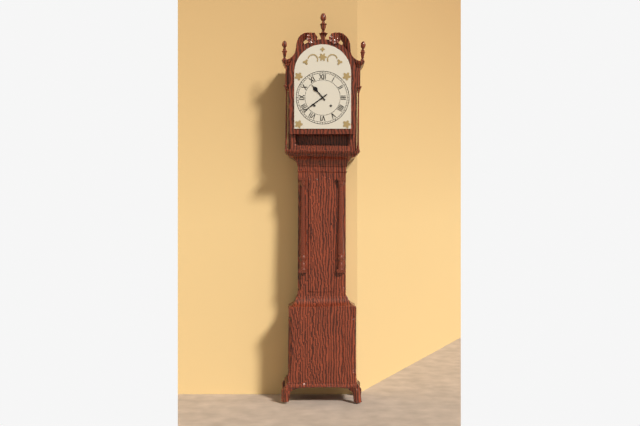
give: {"hour": 10, "minute": 39}
